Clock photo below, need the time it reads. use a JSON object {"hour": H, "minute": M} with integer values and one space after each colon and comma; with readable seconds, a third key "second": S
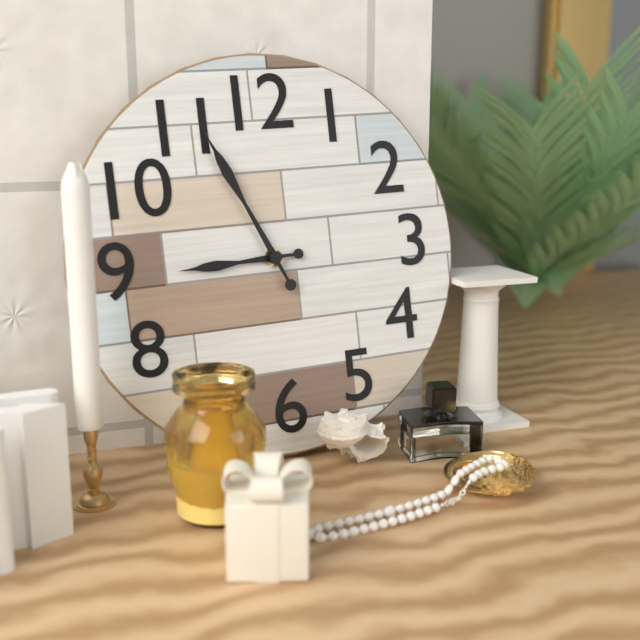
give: {"hour": 8, "minute": 56}
